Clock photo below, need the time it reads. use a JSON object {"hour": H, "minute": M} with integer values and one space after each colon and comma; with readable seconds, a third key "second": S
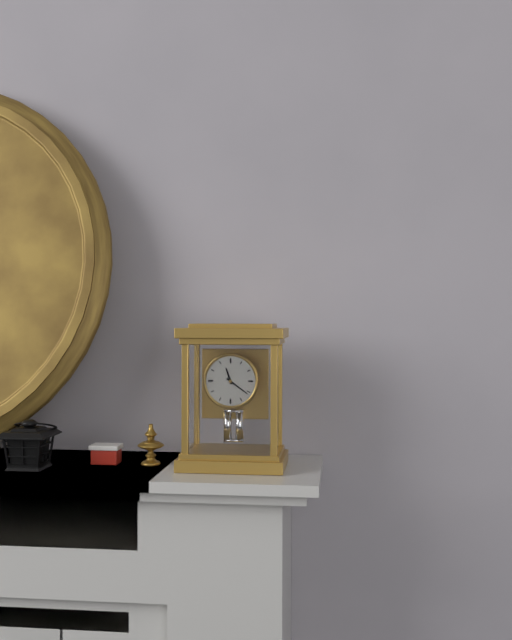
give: {"hour": 11, "minute": 21}
